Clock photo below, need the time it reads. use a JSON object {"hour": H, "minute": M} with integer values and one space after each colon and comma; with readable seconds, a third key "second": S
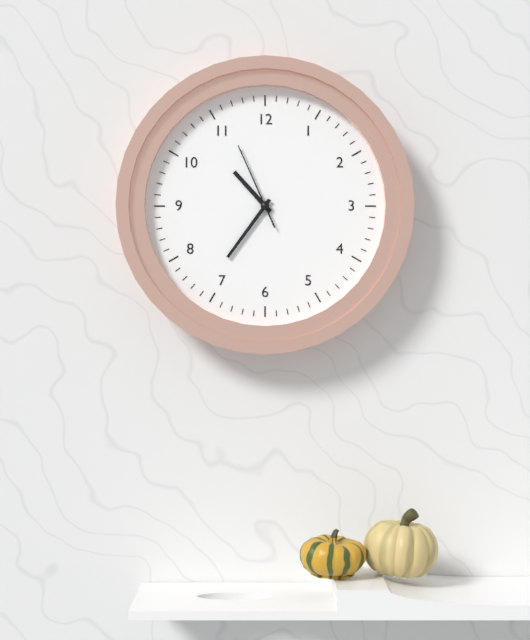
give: {"hour": 10, "minute": 36, "second": 56}
